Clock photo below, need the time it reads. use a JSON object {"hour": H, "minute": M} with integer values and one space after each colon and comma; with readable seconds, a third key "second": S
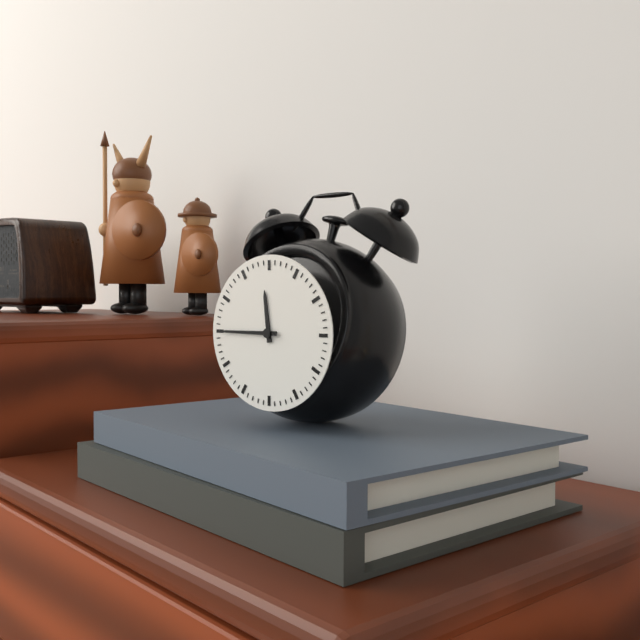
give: {"hour": 11, "minute": 45}
